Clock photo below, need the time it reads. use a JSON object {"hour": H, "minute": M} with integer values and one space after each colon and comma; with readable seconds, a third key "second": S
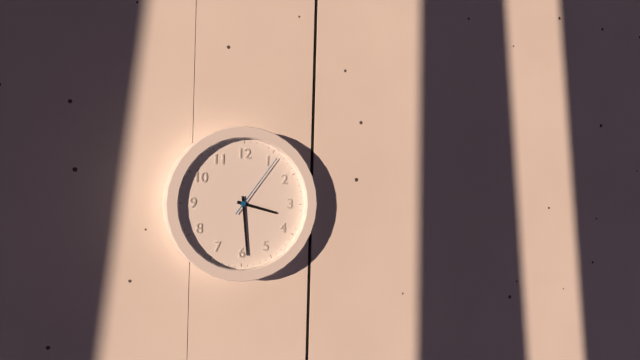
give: {"hour": 3, "minute": 29, "second": 6}
